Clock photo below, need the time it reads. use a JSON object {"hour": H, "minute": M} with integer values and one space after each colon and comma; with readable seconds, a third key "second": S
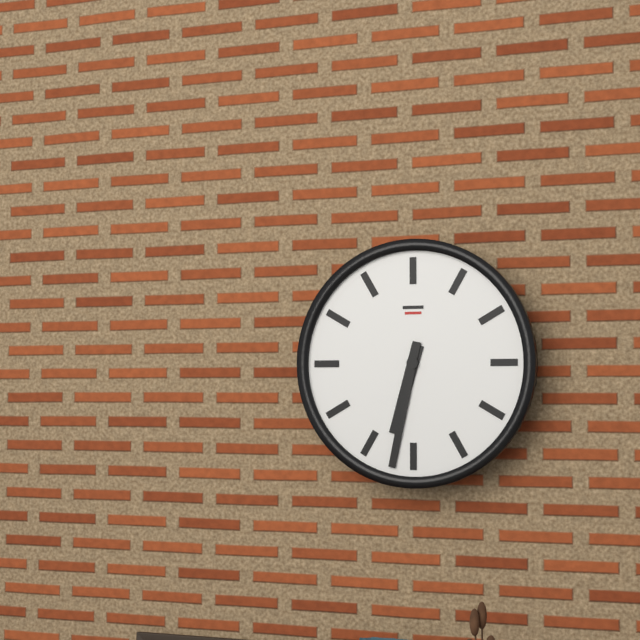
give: {"hour": 6, "minute": 32}
